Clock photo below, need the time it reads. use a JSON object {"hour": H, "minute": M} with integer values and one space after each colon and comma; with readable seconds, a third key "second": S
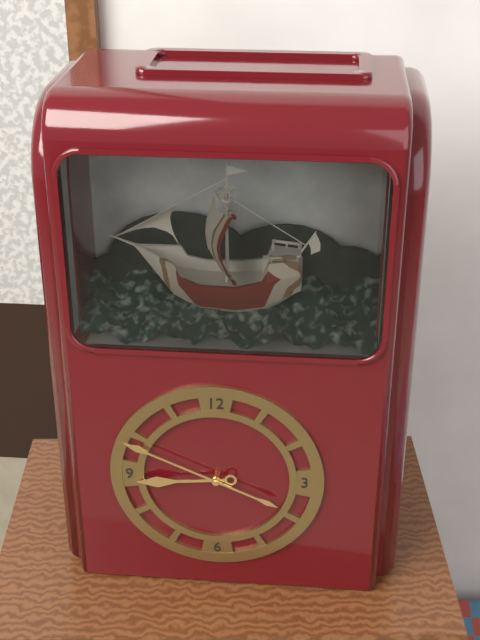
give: {"hour": 8, "minute": 49}
